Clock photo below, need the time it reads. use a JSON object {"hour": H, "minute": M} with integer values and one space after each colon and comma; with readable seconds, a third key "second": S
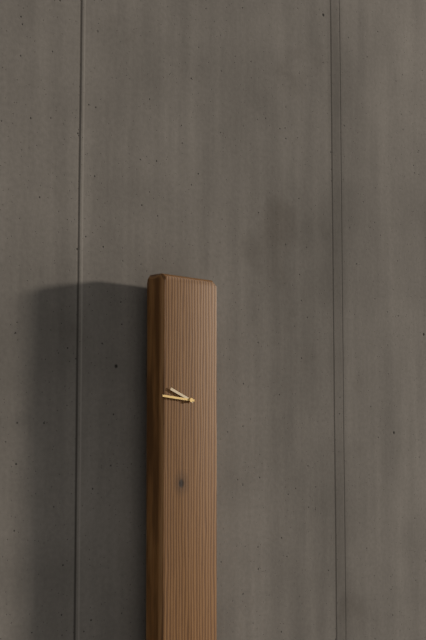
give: {"hour": 9, "minute": 46}
